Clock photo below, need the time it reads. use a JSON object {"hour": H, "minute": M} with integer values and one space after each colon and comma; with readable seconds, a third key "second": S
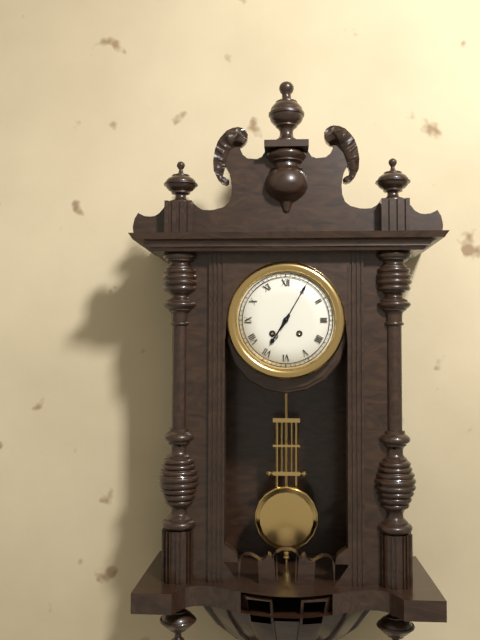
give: {"hour": 7, "minute": 5}
